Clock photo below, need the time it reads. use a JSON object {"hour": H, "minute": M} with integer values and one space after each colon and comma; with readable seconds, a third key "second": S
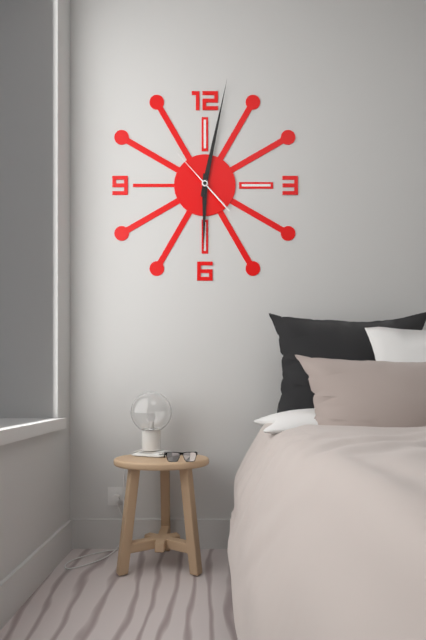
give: {"hour": 6, "minute": 2, "second": 53}
